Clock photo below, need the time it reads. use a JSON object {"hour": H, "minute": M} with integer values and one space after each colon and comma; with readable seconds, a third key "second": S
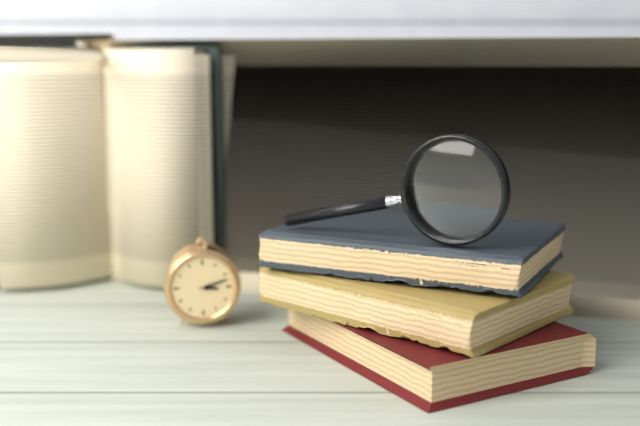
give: {"hour": 3, "minute": 12}
